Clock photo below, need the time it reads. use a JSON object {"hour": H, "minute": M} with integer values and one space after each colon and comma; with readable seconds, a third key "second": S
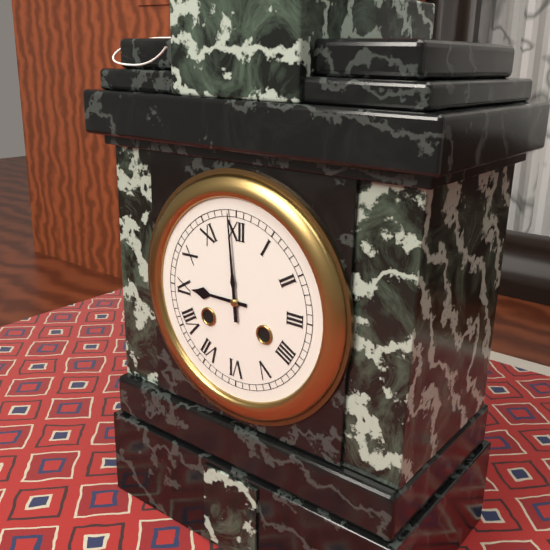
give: {"hour": 8, "minute": 59}
